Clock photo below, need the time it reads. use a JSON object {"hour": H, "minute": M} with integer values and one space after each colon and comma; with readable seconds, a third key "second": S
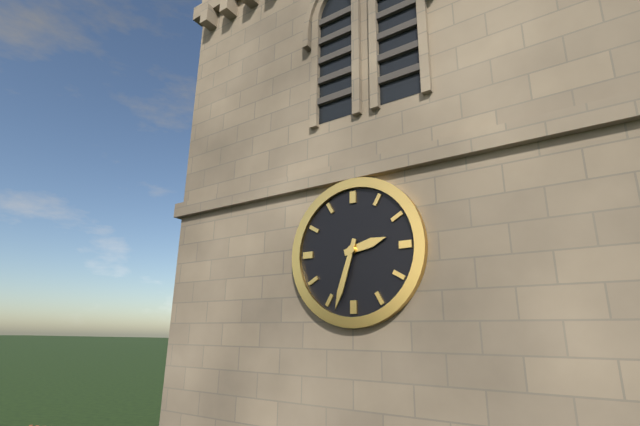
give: {"hour": 2, "minute": 33}
